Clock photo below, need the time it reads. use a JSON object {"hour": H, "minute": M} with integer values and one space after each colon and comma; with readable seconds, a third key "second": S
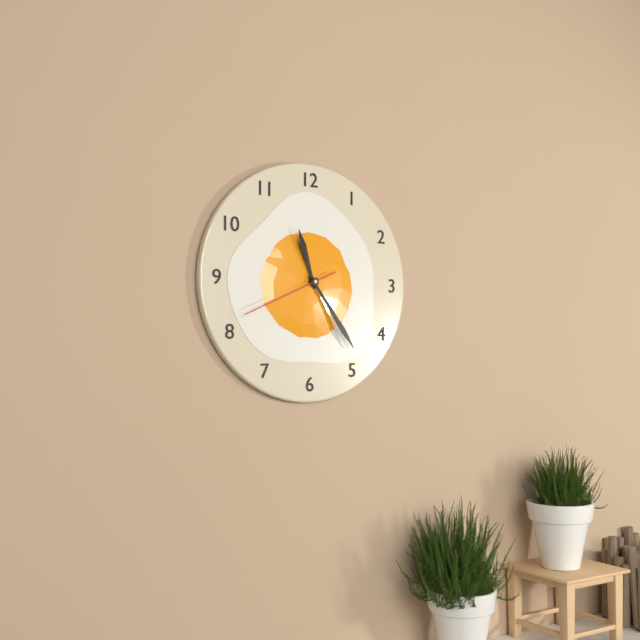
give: {"hour": 11, "minute": 24, "second": 41}
